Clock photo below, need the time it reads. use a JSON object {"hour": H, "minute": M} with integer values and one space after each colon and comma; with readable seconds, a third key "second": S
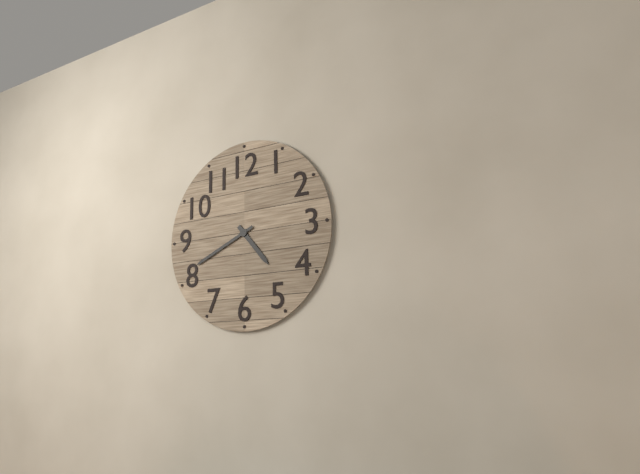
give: {"hour": 4, "minute": 41}
